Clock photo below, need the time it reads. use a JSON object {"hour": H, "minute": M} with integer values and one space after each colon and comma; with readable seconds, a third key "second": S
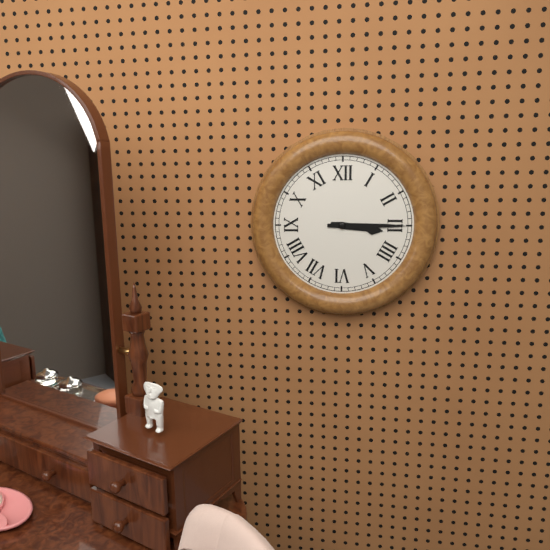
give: {"hour": 3, "minute": 15}
